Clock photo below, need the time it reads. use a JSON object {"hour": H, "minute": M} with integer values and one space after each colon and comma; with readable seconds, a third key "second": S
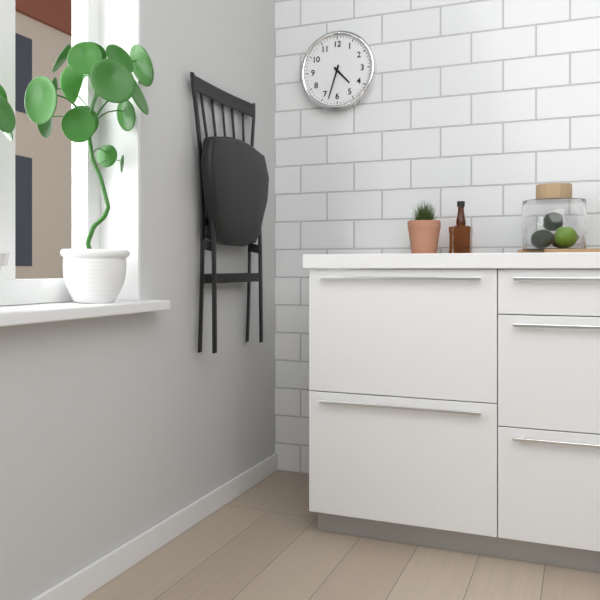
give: {"hour": 4, "minute": 33}
